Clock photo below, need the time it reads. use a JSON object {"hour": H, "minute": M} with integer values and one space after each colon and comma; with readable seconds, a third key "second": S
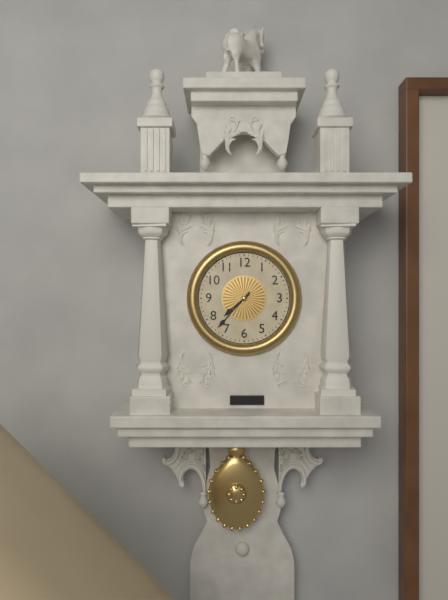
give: {"hour": 7, "minute": 37}
